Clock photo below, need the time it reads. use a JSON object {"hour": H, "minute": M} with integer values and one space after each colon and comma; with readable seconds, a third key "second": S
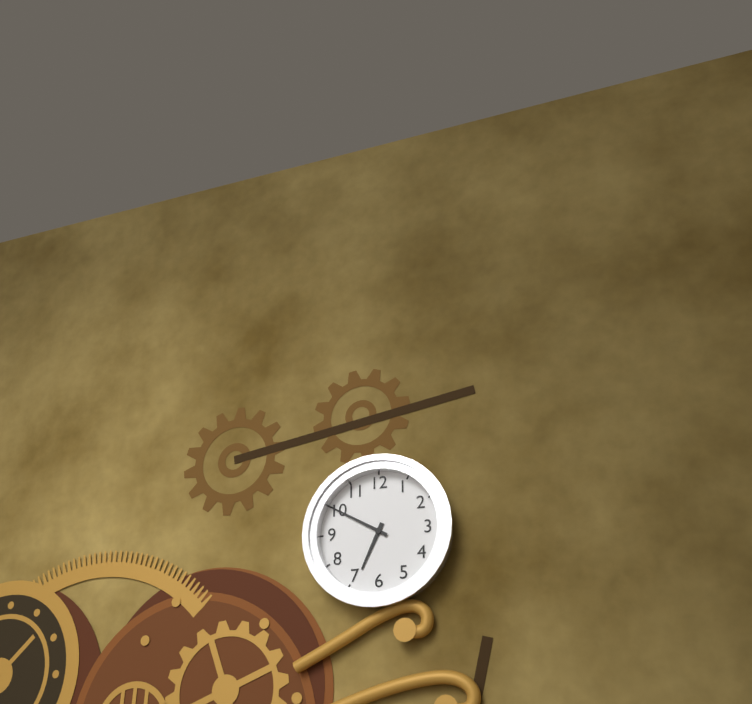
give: {"hour": 6, "minute": 50}
